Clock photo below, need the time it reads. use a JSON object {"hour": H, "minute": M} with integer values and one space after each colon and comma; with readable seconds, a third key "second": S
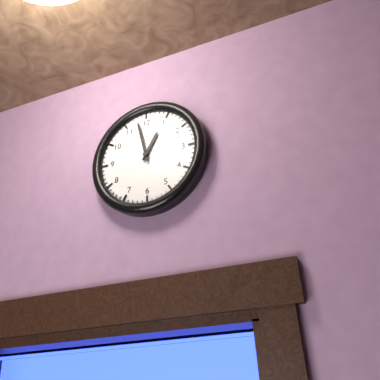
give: {"hour": 12, "minute": 58}
